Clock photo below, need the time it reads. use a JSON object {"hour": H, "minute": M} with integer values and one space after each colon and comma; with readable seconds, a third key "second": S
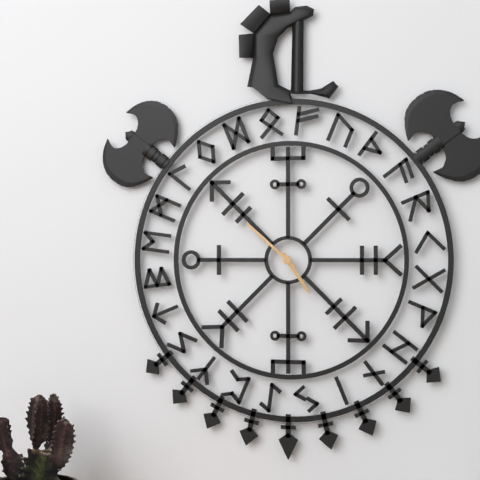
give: {"hour": 4, "minute": 52}
